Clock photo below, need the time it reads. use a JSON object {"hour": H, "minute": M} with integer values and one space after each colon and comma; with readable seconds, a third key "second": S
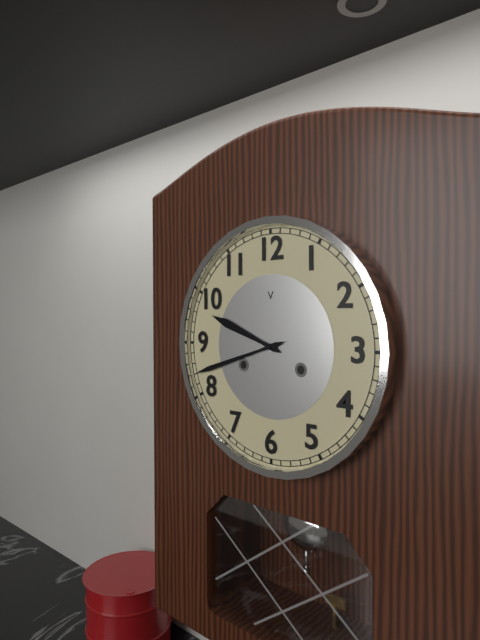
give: {"hour": 9, "minute": 42}
